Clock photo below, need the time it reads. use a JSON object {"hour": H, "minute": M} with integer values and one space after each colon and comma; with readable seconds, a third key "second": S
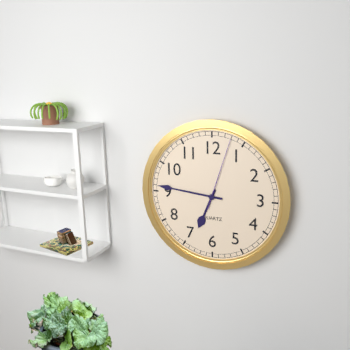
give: {"hour": 6, "minute": 46, "second": 3}
